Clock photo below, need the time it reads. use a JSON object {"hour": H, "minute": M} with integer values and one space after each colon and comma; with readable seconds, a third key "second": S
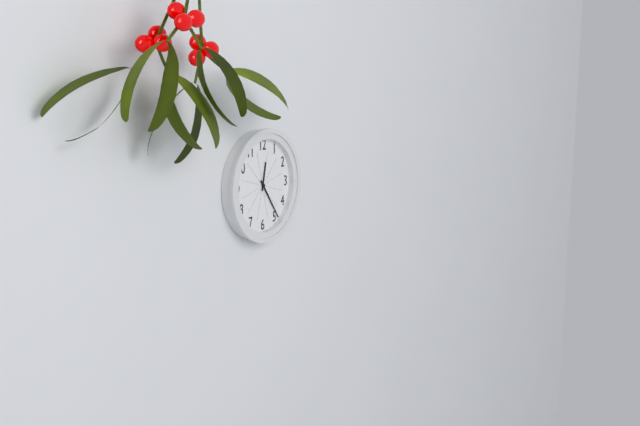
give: {"hour": 12, "minute": 24}
